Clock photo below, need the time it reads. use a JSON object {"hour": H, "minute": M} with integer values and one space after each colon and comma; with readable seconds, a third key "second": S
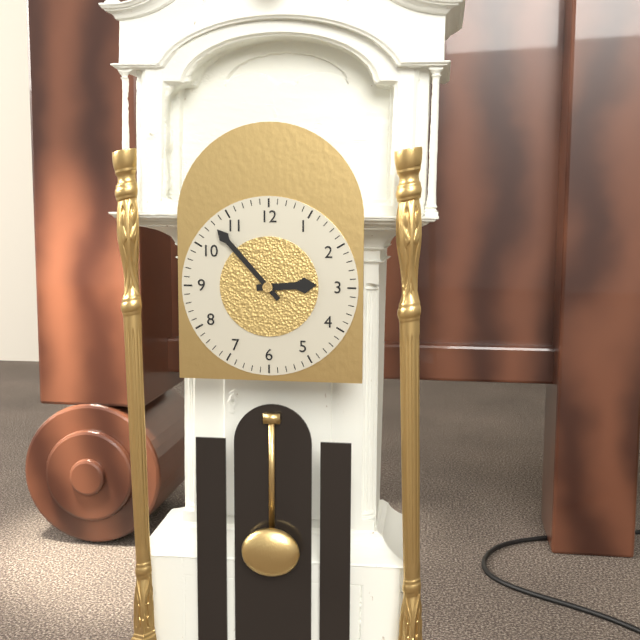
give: {"hour": 2, "minute": 53}
